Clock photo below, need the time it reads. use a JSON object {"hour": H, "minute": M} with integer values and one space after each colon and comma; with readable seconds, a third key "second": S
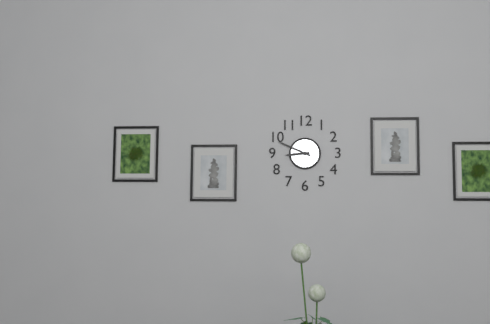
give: {"hour": 8, "minute": 49}
